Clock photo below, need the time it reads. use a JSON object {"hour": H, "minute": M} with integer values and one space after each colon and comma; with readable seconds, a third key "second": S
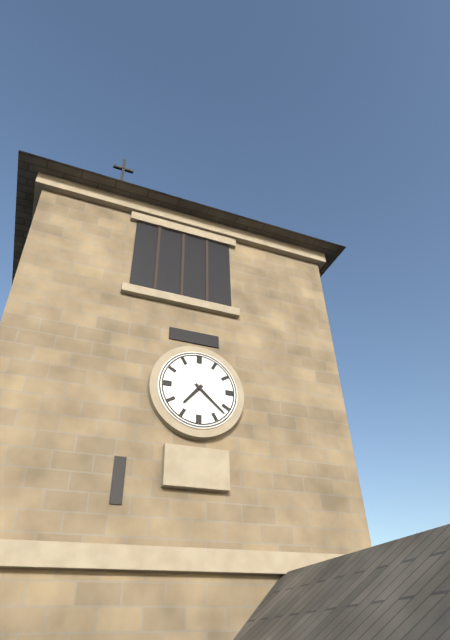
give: {"hour": 7, "minute": 22}
